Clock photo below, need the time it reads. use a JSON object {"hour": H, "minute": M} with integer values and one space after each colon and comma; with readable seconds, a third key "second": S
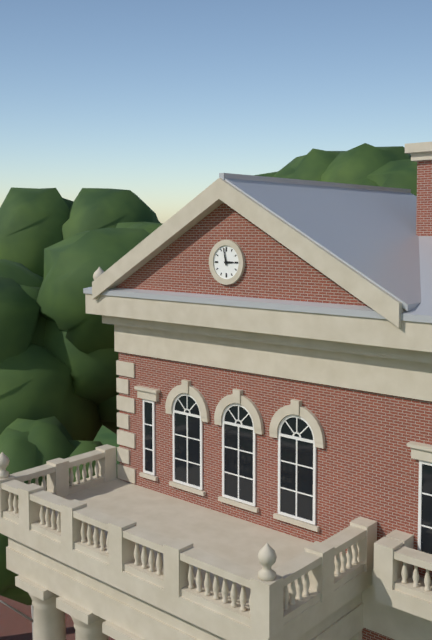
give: {"hour": 2, "minute": 58}
